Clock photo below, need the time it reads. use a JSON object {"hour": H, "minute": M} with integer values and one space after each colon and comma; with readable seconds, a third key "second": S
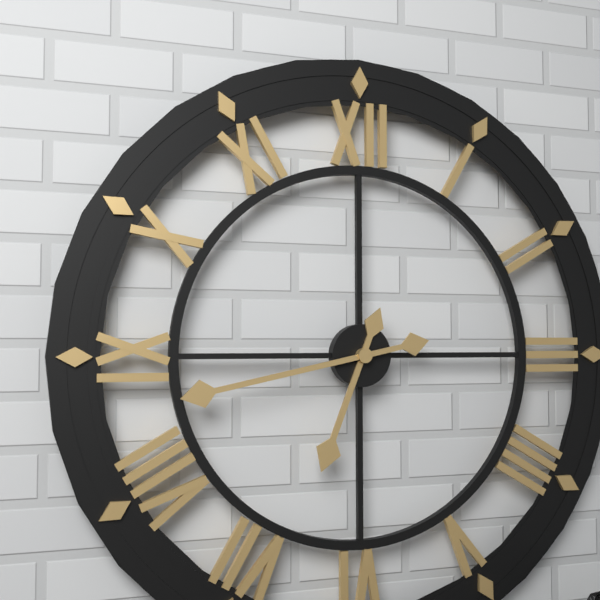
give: {"hour": 6, "minute": 43}
